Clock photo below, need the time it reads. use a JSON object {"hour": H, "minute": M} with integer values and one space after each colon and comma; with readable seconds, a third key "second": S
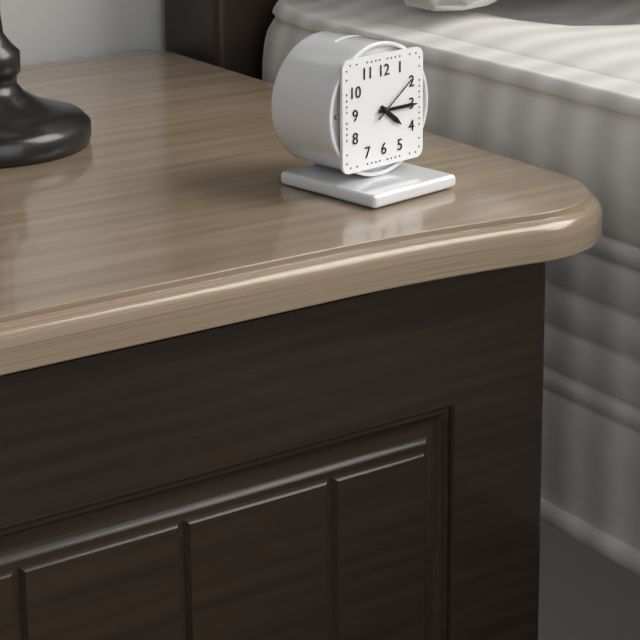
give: {"hour": 4, "minute": 15, "second": 9}
